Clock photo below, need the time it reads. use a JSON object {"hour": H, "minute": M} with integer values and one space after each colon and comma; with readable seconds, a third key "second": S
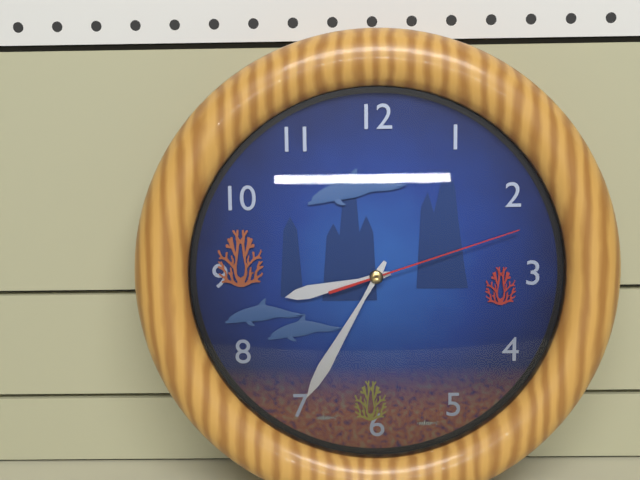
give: {"hour": 8, "minute": 35, "second": 12}
